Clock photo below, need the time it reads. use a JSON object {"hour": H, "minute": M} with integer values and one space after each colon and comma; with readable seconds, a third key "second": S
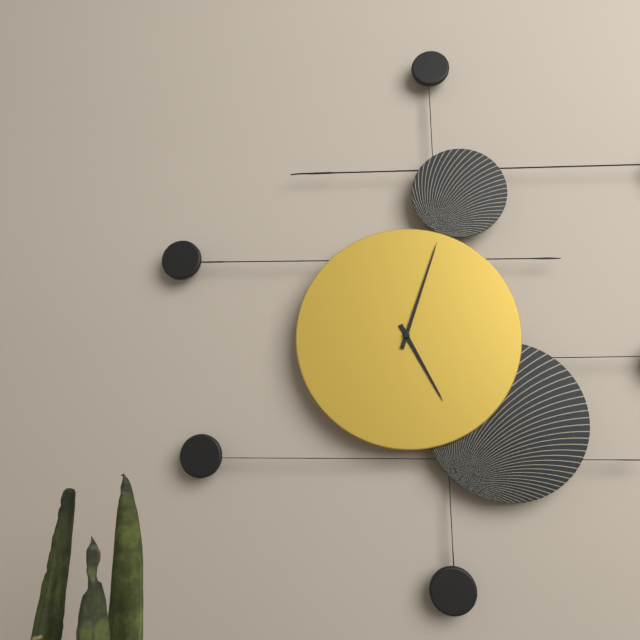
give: {"hour": 5, "minute": 3}
